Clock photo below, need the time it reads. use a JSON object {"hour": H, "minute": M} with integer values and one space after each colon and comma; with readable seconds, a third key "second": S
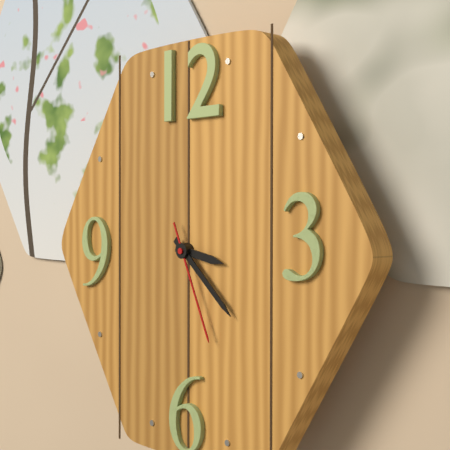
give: {"hour": 3, "minute": 22, "second": 26}
